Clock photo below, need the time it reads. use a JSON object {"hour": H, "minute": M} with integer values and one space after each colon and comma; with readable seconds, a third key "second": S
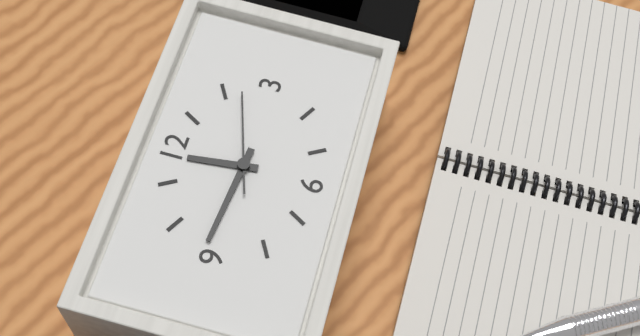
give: {"hour": 11, "minute": 46, "second": 12}
